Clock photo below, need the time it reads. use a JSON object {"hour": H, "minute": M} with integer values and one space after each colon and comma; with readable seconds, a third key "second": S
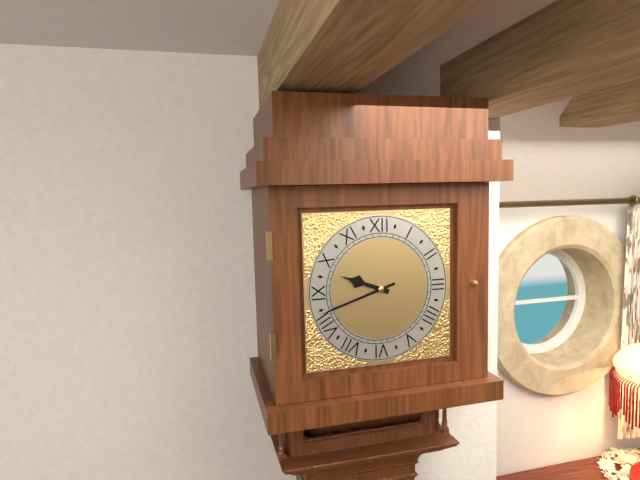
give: {"hour": 9, "minute": 42}
